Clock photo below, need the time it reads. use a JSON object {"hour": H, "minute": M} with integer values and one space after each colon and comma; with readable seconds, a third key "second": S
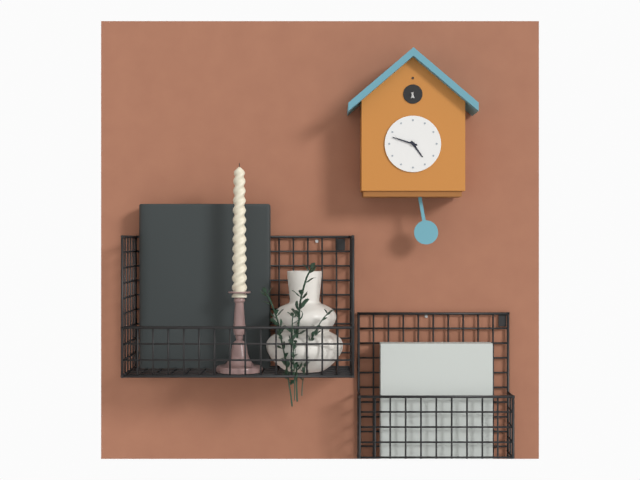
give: {"hour": 4, "minute": 48}
